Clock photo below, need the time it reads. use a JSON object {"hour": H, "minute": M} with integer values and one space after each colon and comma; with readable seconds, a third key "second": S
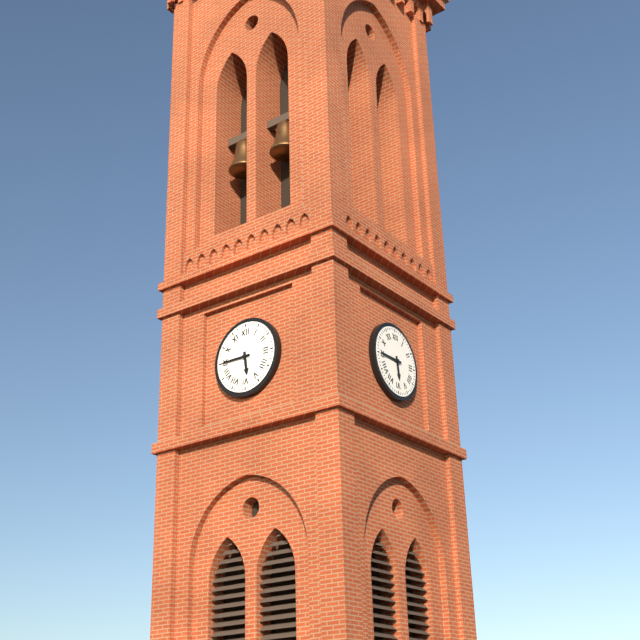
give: {"hour": 5, "minute": 45}
